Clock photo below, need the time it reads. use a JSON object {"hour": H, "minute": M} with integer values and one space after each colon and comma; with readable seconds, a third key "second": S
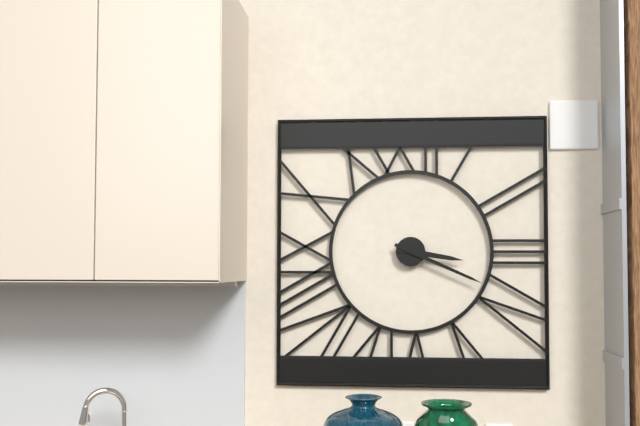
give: {"hour": 3, "minute": 19}
